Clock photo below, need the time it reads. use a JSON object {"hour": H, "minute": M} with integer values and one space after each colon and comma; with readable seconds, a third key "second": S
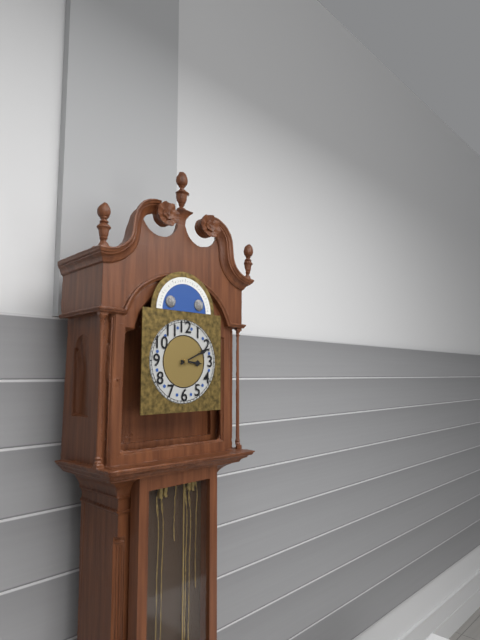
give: {"hour": 3, "minute": 11}
